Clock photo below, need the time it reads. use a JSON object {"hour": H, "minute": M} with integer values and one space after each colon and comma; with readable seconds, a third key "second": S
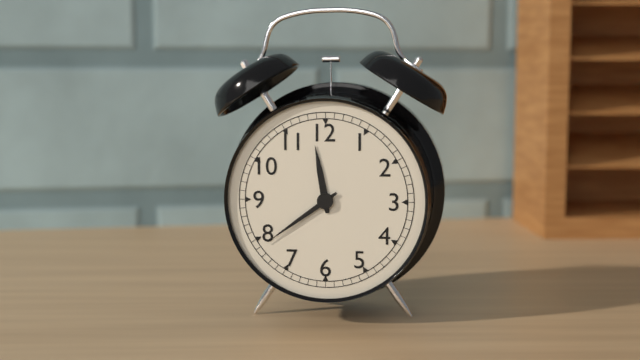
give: {"hour": 11, "minute": 39}
